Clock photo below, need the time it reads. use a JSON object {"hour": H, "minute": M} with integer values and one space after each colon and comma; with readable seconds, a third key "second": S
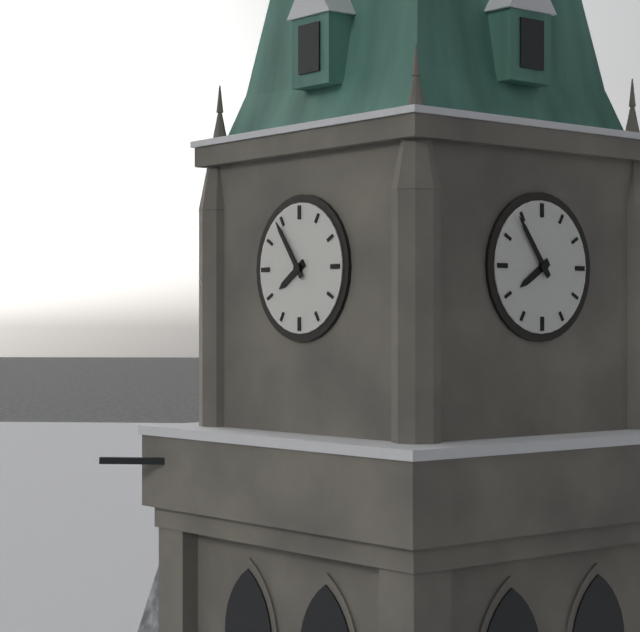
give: {"hour": 7, "minute": 54}
